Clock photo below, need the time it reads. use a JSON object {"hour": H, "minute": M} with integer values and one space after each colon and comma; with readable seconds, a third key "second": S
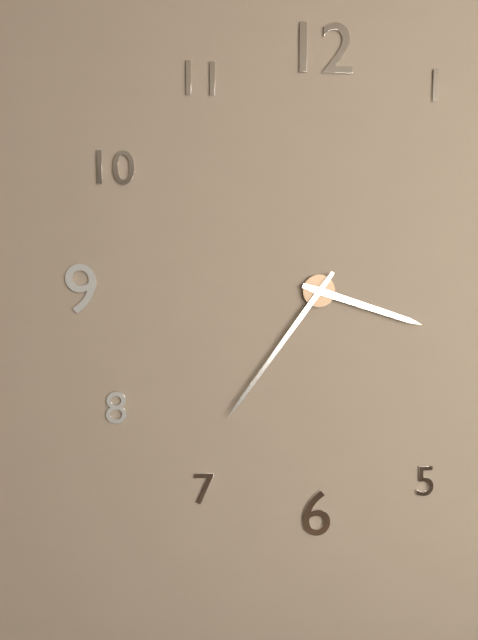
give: {"hour": 3, "minute": 36}
